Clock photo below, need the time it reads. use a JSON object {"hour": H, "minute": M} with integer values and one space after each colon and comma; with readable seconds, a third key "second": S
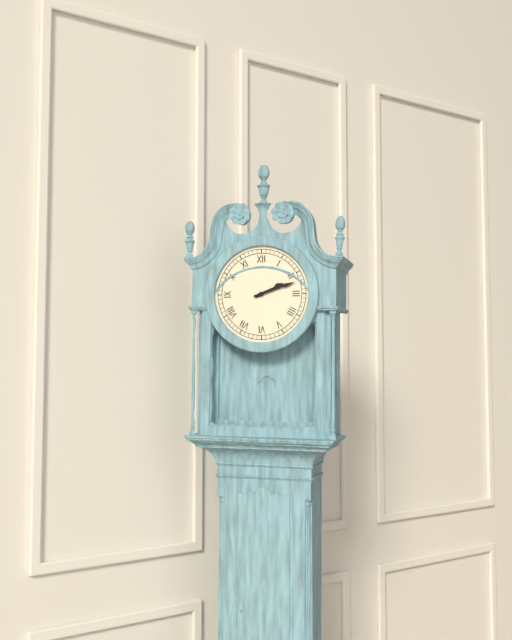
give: {"hour": 2, "minute": 12}
